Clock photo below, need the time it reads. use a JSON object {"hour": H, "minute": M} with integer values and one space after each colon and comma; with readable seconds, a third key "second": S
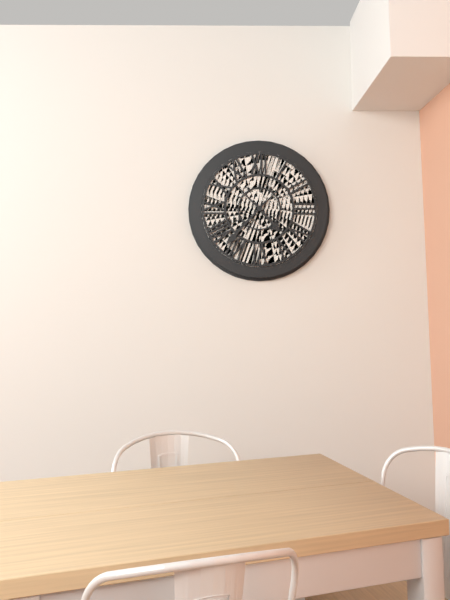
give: {"hour": 4, "minute": 37}
